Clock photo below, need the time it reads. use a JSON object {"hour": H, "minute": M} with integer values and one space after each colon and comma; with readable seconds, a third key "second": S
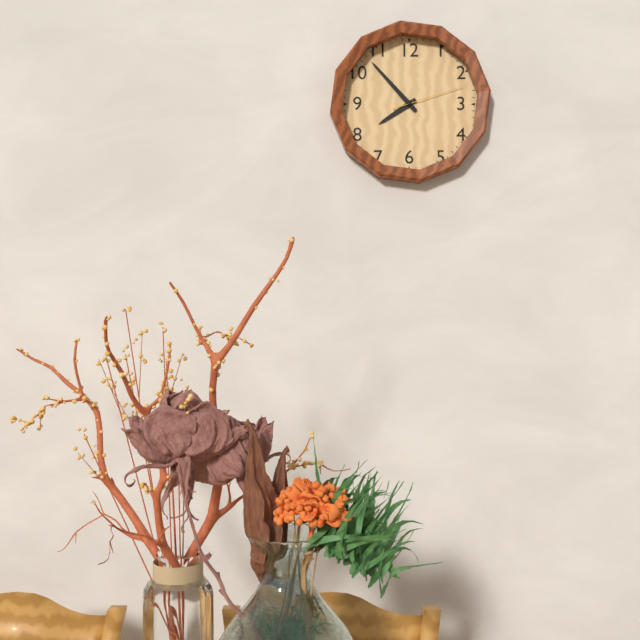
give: {"hour": 7, "minute": 53, "second": 12}
